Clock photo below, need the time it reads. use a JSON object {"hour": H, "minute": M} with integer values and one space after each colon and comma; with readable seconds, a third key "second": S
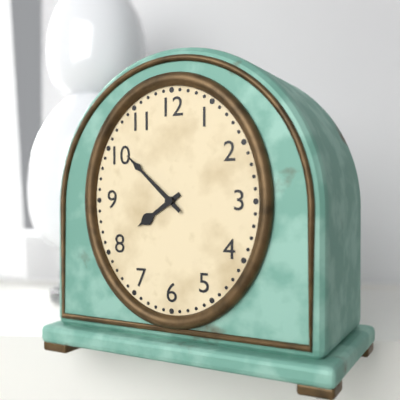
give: {"hour": 7, "minute": 52}
